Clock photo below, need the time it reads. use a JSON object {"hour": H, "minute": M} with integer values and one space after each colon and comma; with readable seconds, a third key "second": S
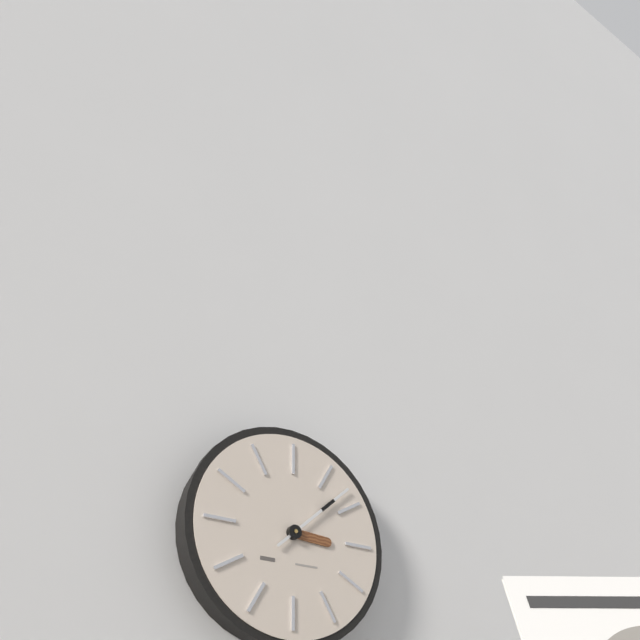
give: {"hour": 3, "minute": 8}
